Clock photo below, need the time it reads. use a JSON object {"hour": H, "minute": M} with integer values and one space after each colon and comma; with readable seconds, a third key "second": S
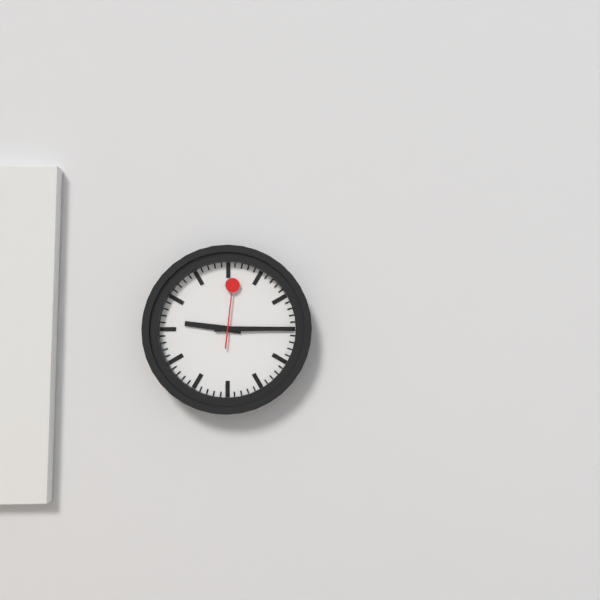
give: {"hour": 9, "minute": 15, "second": 1}
